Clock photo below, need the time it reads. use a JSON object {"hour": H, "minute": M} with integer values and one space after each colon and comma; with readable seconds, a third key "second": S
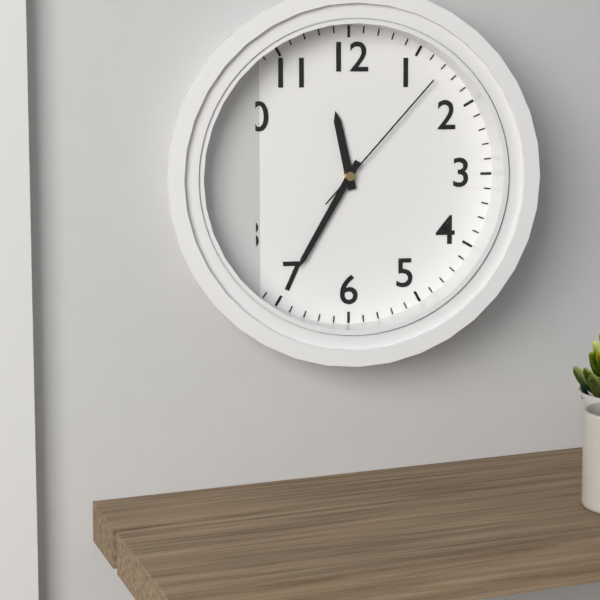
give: {"hour": 11, "minute": 35, "second": 7}
